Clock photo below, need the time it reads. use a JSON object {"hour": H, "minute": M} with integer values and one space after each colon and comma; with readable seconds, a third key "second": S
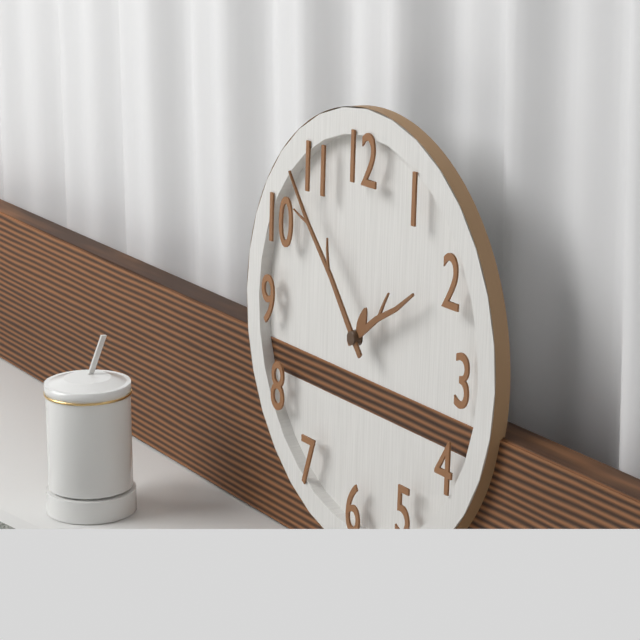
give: {"hour": 1, "minute": 53}
